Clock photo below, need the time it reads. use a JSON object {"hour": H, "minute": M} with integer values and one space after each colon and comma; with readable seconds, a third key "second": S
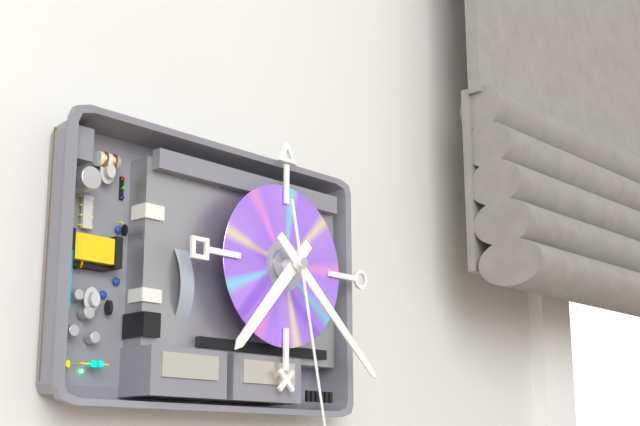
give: {"hour": 7, "minute": 22}
